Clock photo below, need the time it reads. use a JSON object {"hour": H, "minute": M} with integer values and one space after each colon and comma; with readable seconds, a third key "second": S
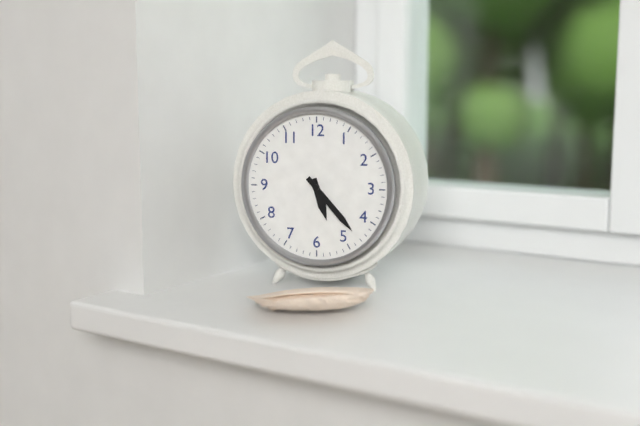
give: {"hour": 5, "minute": 23}
